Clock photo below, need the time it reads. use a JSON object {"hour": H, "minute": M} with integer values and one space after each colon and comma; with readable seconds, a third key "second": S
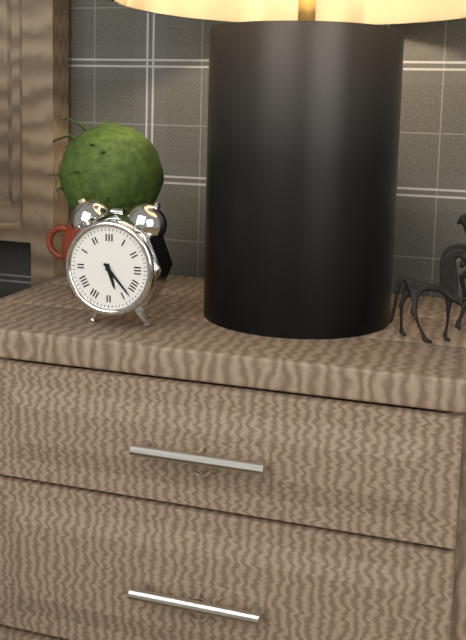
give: {"hour": 5, "minute": 23}
